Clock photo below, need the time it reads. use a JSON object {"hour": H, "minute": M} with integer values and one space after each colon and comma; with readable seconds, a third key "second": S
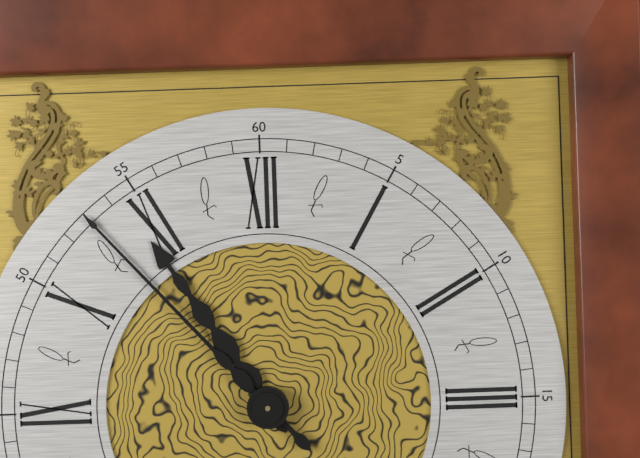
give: {"hour": 10, "minute": 53}
